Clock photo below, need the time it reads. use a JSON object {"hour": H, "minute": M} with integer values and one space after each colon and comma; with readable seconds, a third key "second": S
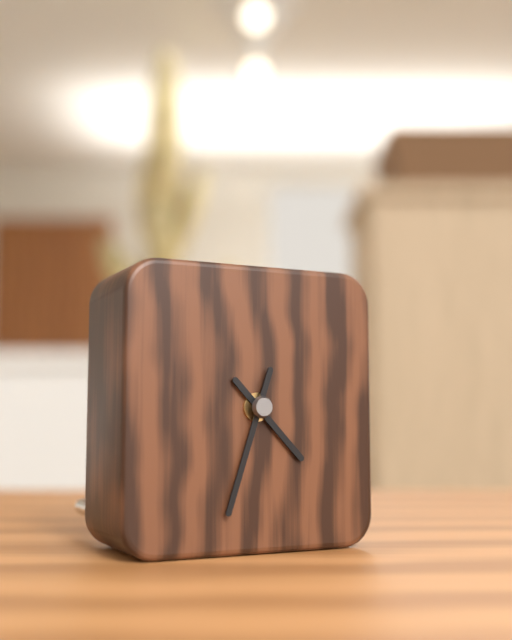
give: {"hour": 4, "minute": 33}
